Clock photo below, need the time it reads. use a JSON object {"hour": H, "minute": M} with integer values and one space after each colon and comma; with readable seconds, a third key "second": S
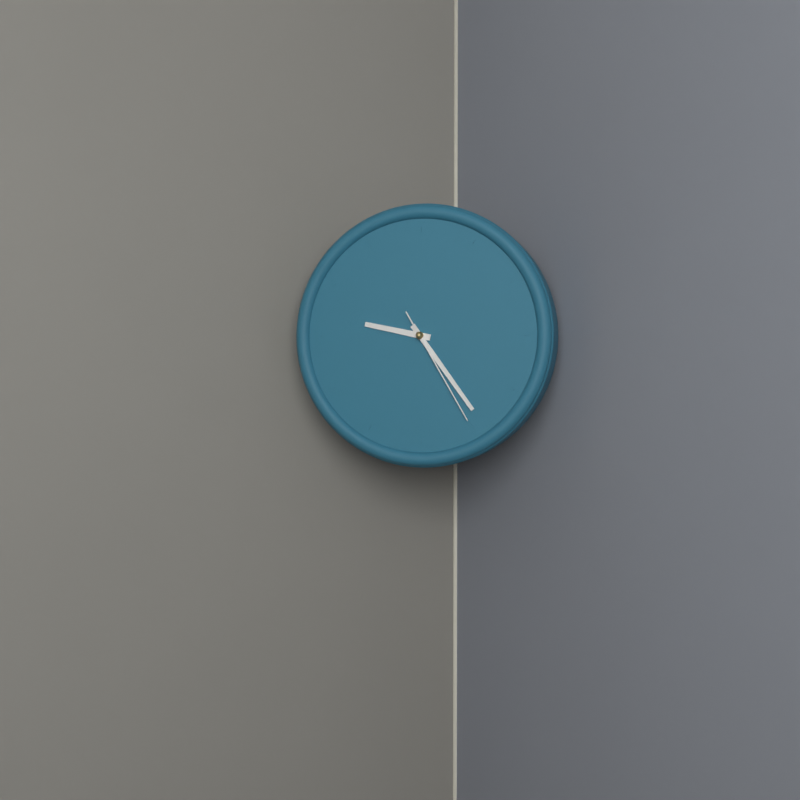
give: {"hour": 9, "minute": 24, "second": 25}
